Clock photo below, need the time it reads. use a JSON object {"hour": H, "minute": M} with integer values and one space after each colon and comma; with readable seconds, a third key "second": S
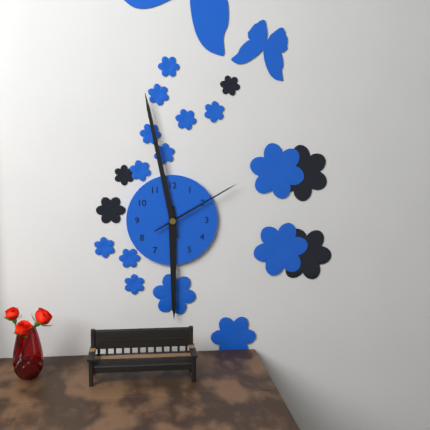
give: {"hour": 5, "minute": 58, "second": 10}
